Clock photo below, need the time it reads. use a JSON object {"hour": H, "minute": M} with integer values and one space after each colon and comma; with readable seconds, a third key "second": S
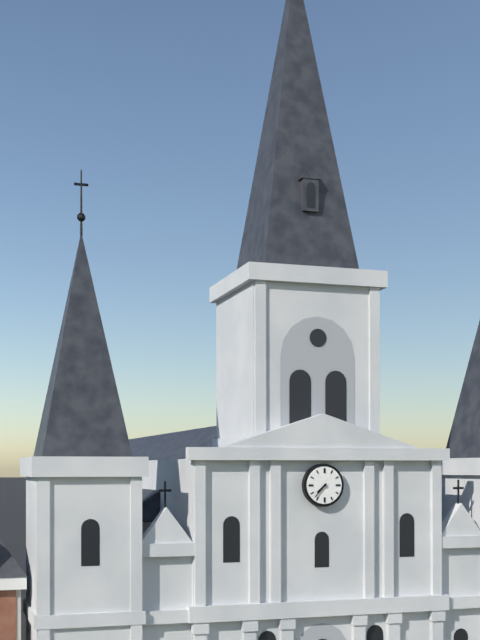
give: {"hour": 7, "minute": 37}
